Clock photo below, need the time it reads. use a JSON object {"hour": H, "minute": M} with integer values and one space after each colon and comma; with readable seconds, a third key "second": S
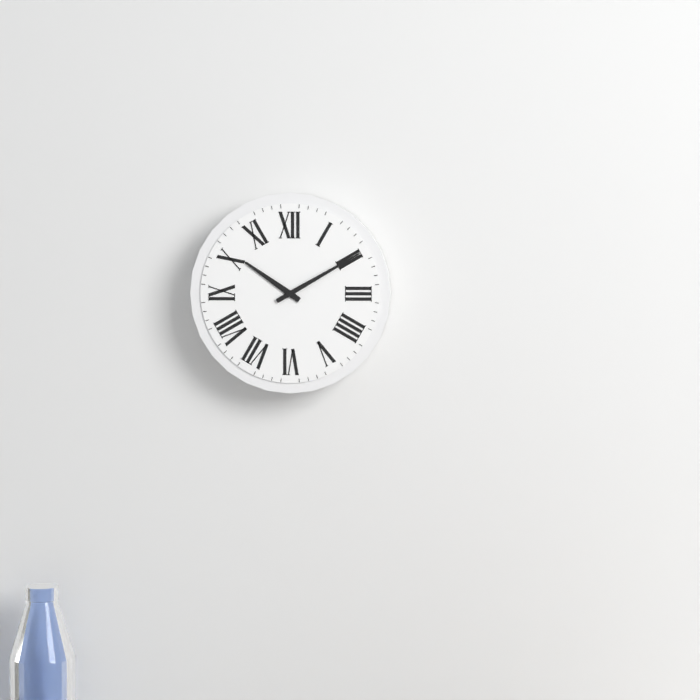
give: {"hour": 10, "minute": 10}
